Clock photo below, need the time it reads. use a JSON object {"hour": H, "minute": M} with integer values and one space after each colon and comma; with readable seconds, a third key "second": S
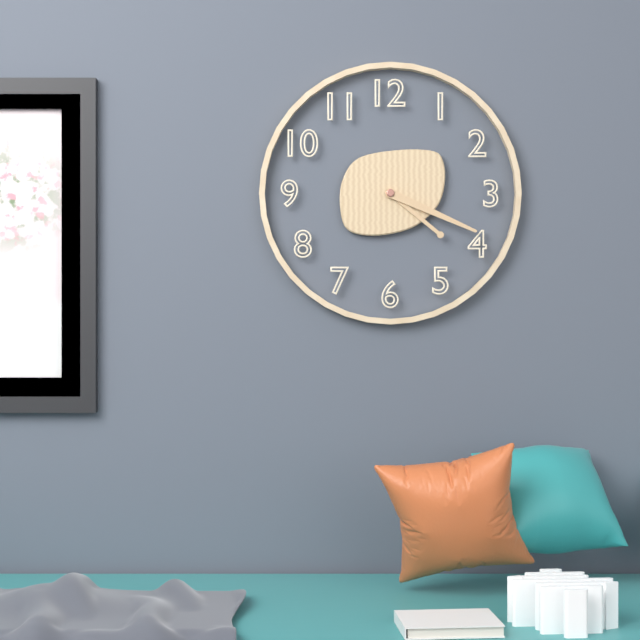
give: {"hour": 4, "minute": 19}
